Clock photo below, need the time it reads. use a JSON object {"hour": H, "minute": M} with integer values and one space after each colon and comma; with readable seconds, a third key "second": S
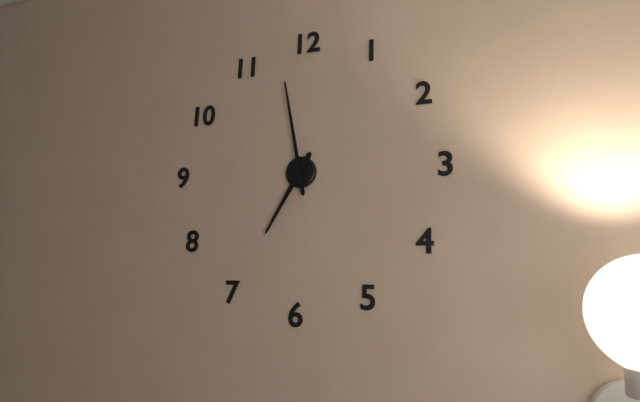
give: {"hour": 6, "minute": 58}
